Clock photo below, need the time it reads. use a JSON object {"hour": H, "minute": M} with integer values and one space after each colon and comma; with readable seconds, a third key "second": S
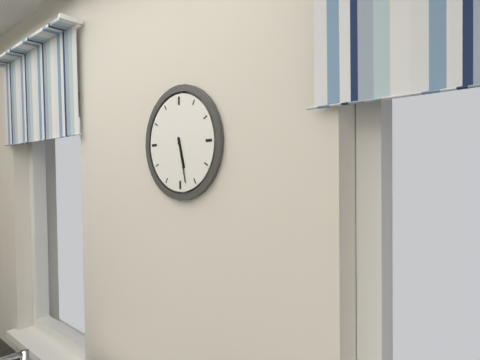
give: {"hour": 5, "minute": 28}
